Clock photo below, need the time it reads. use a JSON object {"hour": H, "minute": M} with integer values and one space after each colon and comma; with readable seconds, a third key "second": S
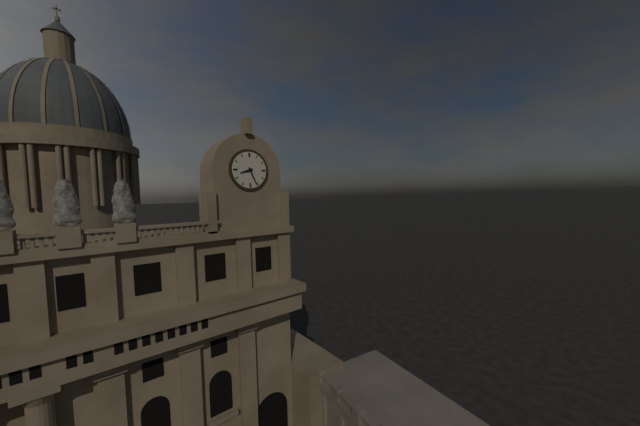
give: {"hour": 8, "minute": 26}
